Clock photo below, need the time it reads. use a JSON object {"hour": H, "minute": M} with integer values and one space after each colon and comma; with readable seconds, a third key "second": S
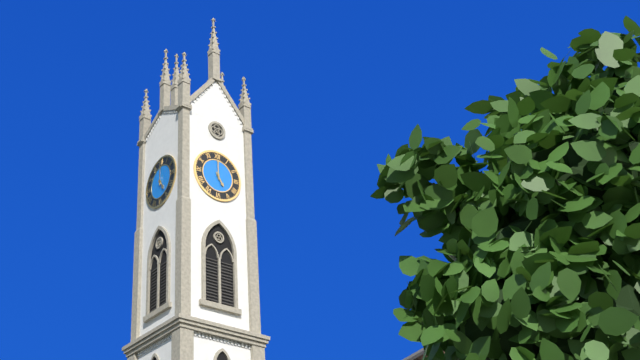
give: {"hour": 5, "minute": 0}
